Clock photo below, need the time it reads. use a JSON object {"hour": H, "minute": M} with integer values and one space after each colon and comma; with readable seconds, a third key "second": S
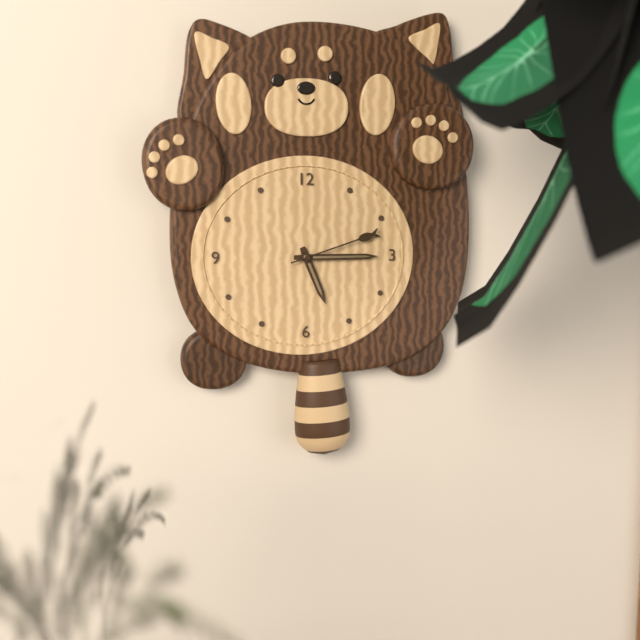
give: {"hour": 5, "minute": 15, "second": 12}
